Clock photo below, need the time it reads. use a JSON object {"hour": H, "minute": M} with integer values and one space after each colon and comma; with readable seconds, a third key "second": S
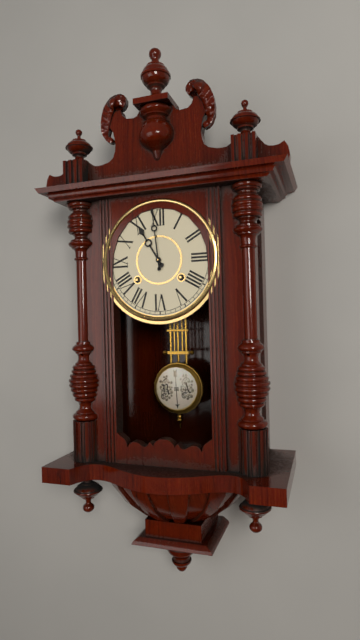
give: {"hour": 10, "minute": 59}
